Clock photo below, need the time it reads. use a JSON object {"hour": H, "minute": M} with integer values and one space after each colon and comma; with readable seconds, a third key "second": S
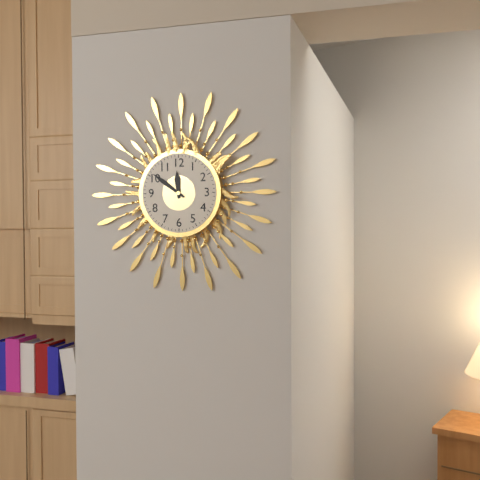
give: {"hour": 11, "minute": 51}
